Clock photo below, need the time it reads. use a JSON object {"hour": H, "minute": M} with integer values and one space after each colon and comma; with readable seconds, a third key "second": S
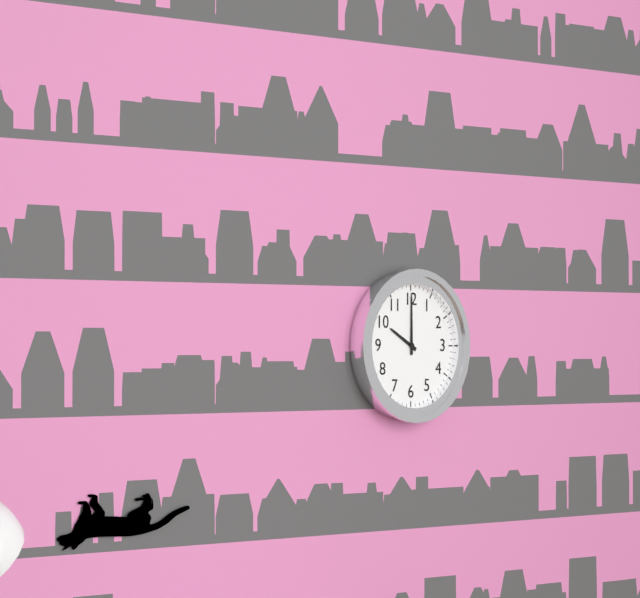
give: {"hour": 10, "minute": 0}
